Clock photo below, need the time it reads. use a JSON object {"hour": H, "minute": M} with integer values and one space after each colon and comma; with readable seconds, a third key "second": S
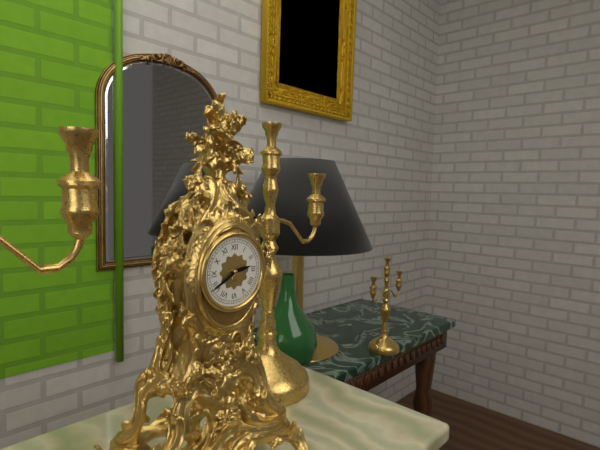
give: {"hour": 2, "minute": 40}
